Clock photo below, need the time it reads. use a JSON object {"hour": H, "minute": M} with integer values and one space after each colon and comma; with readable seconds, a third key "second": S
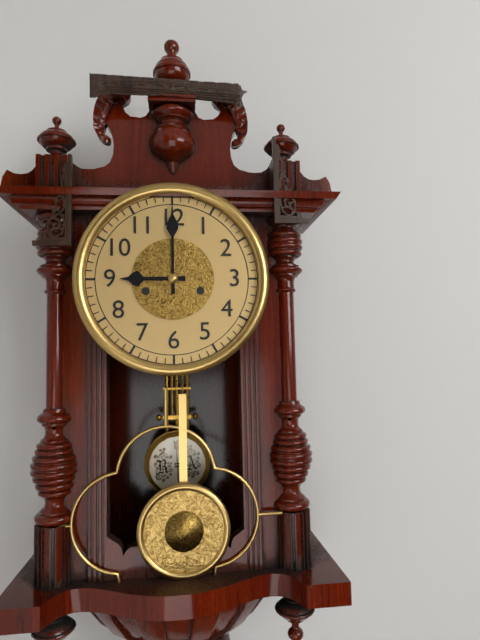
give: {"hour": 9, "minute": 0}
